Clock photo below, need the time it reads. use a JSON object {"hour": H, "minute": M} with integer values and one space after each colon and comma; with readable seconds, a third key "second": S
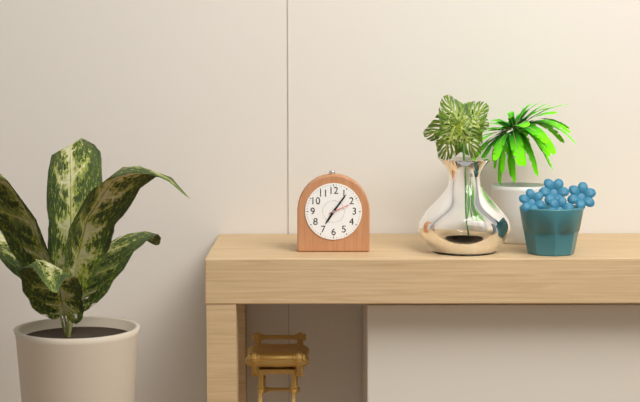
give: {"hour": 7, "minute": 6}
